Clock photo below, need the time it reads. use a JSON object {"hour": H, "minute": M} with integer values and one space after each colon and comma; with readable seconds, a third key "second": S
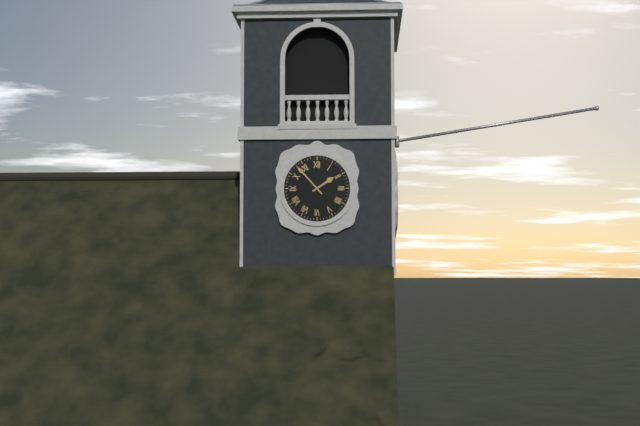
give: {"hour": 1, "minute": 53}
